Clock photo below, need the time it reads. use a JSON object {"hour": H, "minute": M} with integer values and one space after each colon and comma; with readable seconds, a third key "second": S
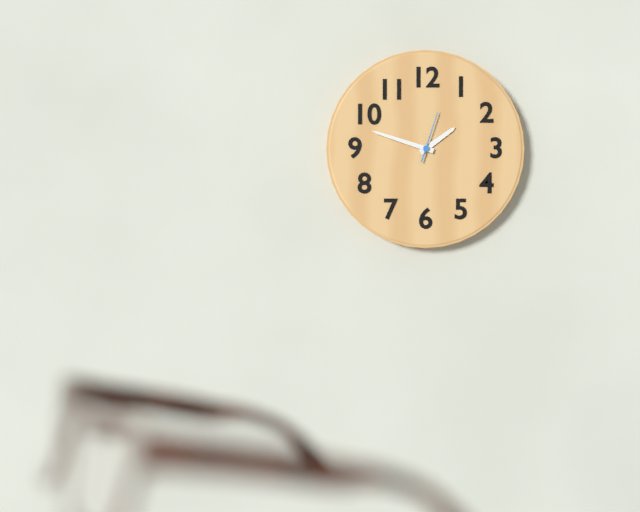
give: {"hour": 1, "minute": 48}
